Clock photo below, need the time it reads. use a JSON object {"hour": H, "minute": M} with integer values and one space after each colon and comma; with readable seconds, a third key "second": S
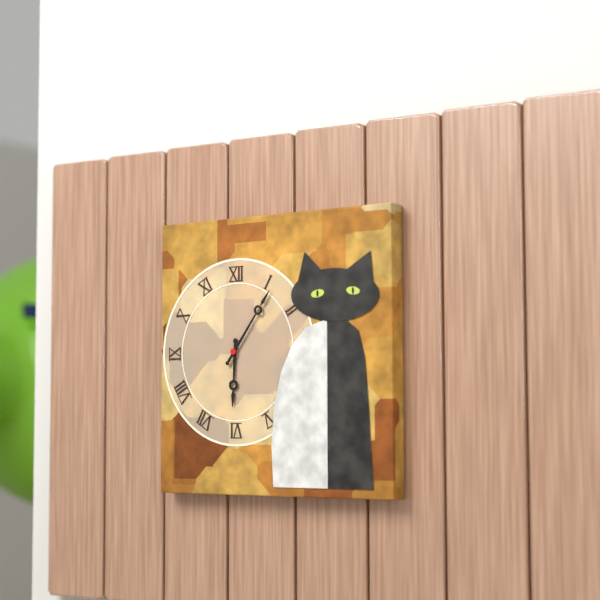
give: {"hour": 6, "minute": 6}
